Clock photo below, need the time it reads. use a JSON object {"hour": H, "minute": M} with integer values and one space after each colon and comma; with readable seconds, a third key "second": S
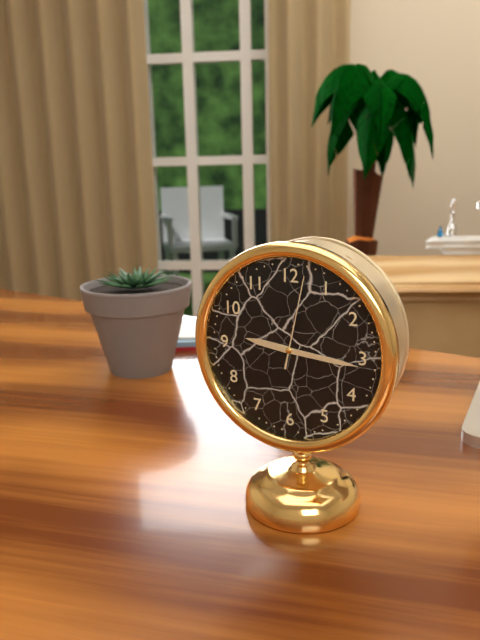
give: {"hour": 9, "minute": 16, "second": 2}
